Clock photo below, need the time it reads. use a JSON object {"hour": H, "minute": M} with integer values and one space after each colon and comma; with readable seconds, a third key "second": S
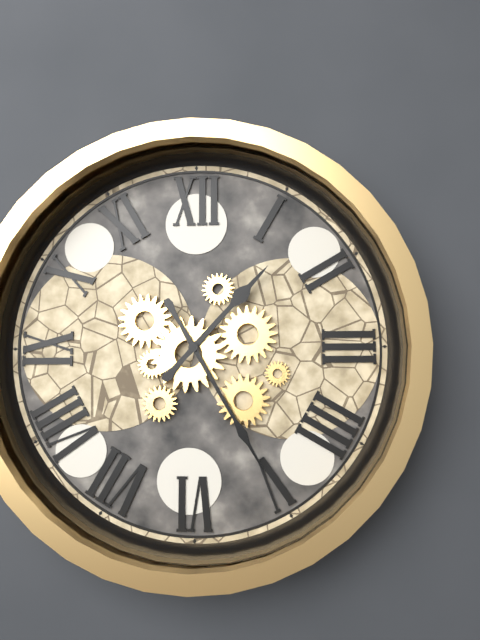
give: {"hour": 1, "minute": 25}
